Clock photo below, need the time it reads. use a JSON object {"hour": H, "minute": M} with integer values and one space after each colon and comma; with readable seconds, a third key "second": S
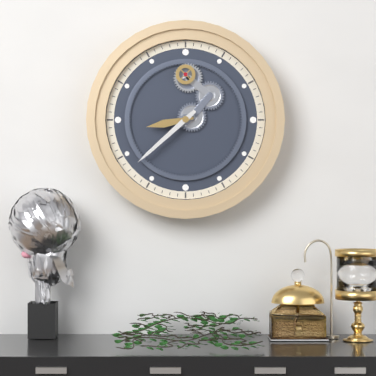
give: {"hour": 8, "minute": 38}
